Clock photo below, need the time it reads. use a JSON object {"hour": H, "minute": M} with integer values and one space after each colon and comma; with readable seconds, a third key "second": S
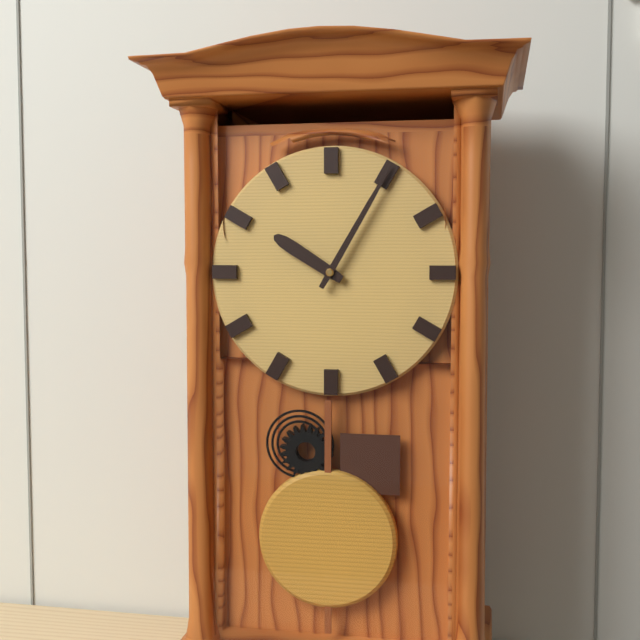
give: {"hour": 10, "minute": 5}
